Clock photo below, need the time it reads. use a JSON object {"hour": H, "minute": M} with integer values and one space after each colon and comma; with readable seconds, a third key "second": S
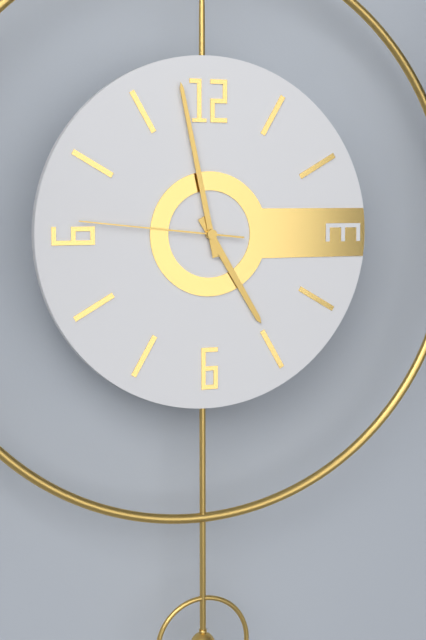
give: {"hour": 4, "minute": 58, "second": 46}
